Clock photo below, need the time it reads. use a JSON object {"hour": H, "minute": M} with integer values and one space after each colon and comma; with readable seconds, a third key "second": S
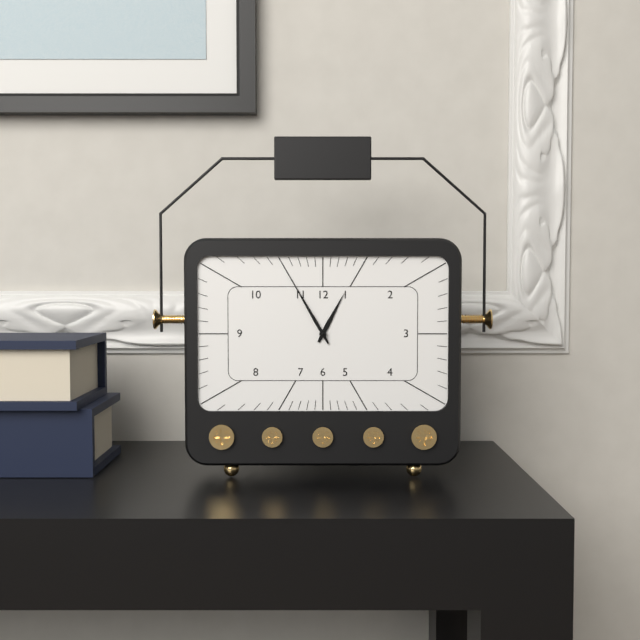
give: {"hour": 12, "minute": 55}
